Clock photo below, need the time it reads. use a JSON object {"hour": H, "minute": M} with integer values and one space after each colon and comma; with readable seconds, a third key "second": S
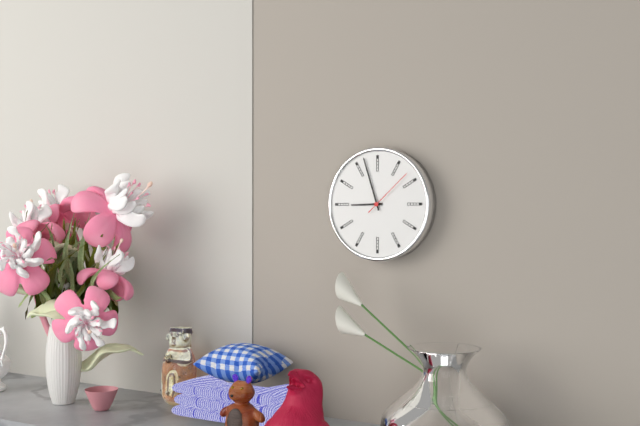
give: {"hour": 8, "minute": 57, "second": 8}
